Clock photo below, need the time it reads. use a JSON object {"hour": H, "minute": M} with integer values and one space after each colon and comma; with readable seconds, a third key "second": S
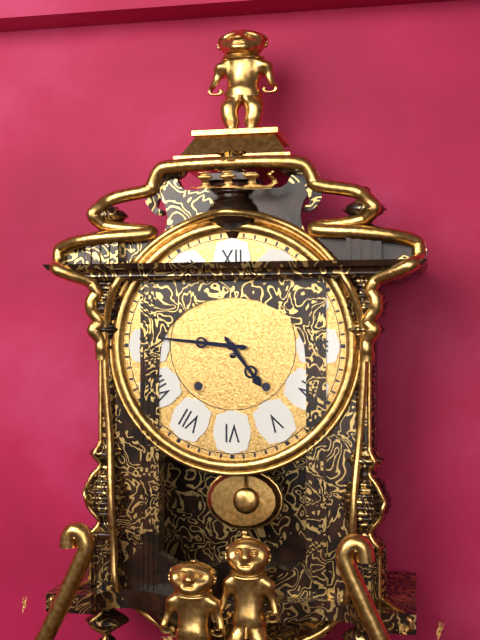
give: {"hour": 4, "minute": 46}
